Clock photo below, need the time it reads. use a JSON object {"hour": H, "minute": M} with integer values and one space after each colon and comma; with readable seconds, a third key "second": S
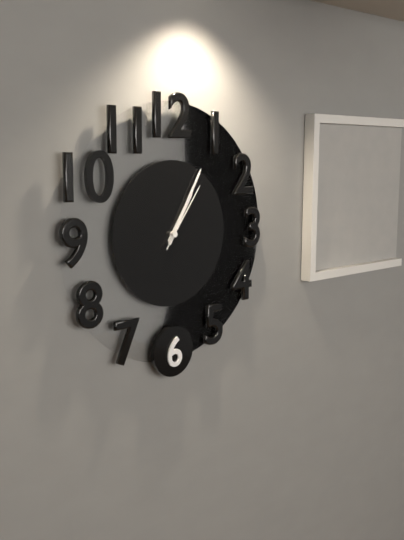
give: {"hour": 1, "minute": 5, "second": 6}
